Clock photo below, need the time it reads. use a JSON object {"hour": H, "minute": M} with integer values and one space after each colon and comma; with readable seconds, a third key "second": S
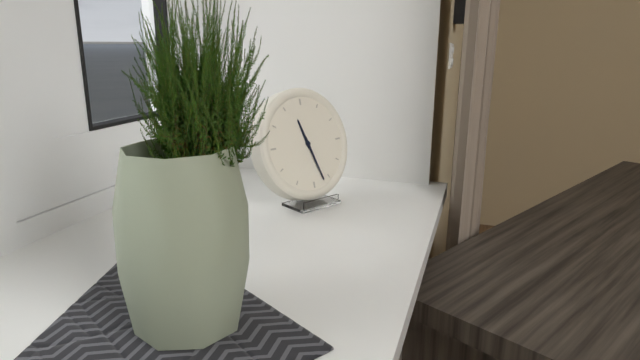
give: {"hour": 11, "minute": 27}
